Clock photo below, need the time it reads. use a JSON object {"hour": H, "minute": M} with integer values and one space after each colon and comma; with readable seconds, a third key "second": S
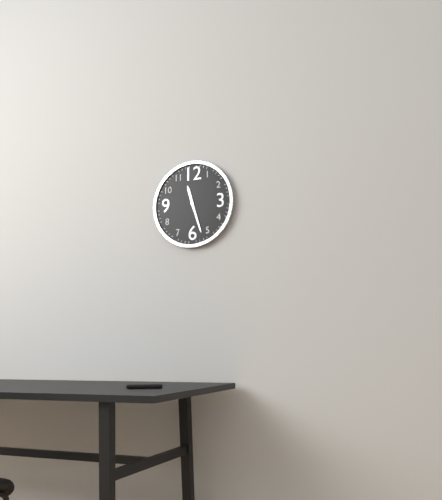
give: {"hour": 11, "minute": 27}
